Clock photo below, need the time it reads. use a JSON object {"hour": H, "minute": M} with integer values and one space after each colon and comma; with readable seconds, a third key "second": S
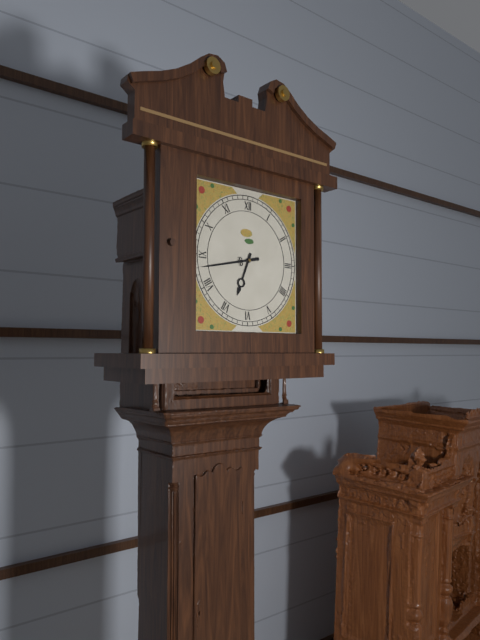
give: {"hour": 6, "minute": 43}
